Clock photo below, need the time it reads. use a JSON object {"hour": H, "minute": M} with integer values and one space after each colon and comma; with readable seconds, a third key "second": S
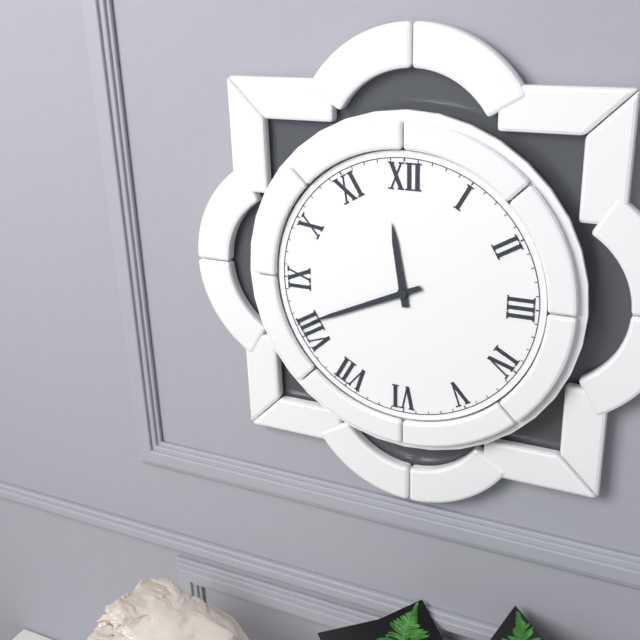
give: {"hour": 11, "minute": 41}
